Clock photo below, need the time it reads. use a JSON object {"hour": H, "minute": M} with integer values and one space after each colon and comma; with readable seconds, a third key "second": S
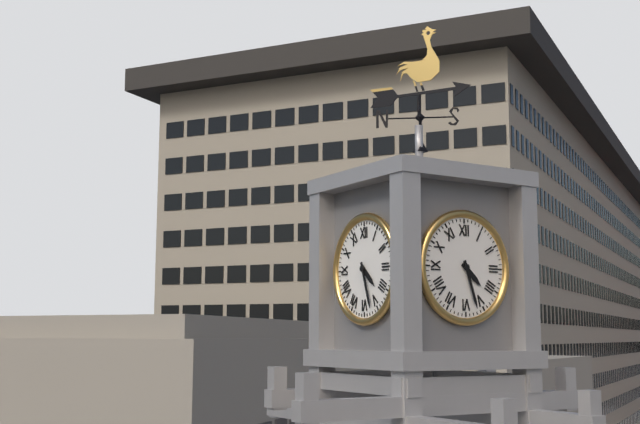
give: {"hour": 4, "minute": 27}
